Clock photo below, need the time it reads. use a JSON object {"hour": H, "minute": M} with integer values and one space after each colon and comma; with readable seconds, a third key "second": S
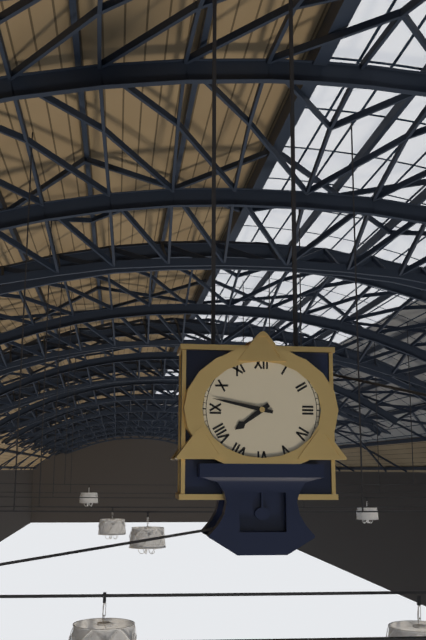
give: {"hour": 7, "minute": 47}
